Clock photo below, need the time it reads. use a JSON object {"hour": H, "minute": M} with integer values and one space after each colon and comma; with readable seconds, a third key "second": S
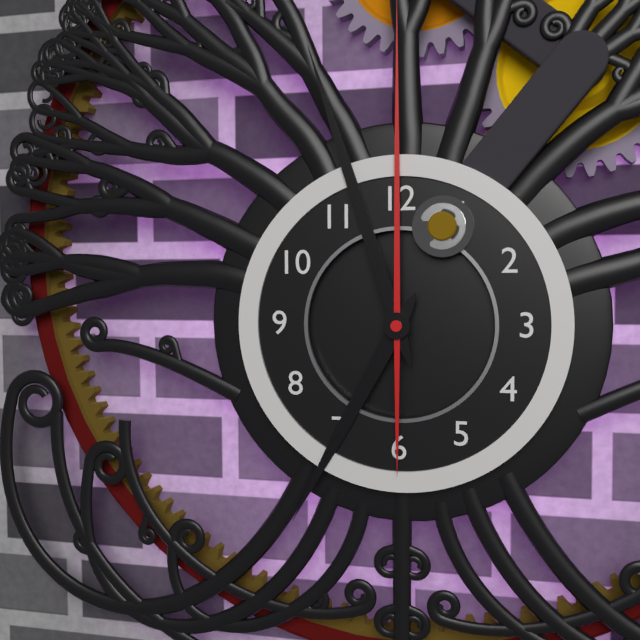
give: {"hour": 6, "minute": 57}
